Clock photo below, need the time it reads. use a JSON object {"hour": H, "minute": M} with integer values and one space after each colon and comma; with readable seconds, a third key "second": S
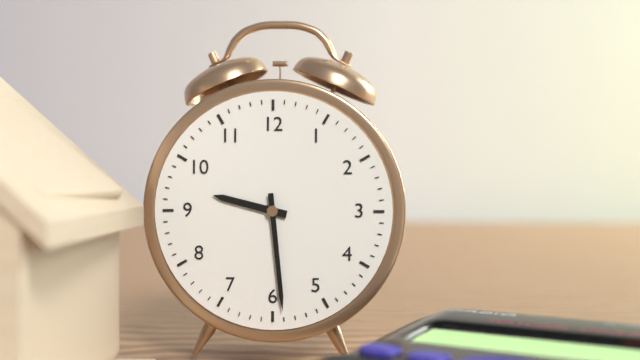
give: {"hour": 9, "minute": 29}
